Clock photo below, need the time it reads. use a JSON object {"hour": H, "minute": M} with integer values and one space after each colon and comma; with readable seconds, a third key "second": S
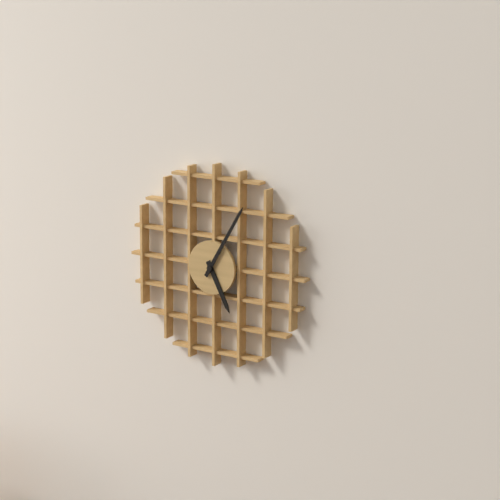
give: {"hour": 5, "minute": 5}
